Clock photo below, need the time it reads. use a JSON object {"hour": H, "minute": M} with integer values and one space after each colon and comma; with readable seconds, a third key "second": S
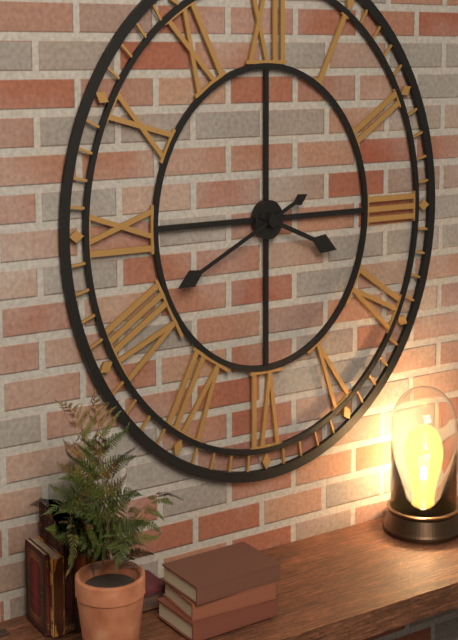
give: {"hour": 3, "minute": 41}
